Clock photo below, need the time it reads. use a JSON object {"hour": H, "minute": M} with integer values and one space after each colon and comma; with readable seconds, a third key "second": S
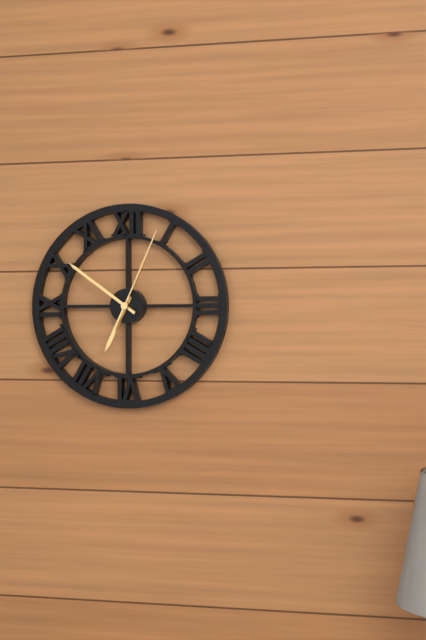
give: {"hour": 6, "minute": 51, "second": 4}
